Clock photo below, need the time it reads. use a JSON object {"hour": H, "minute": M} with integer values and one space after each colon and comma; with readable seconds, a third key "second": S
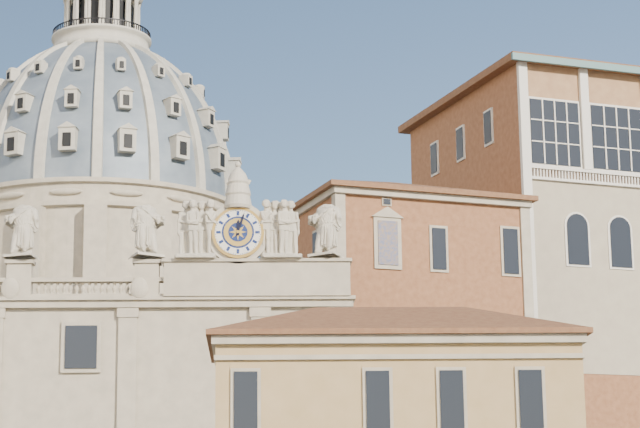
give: {"hour": 12, "minute": 3}
